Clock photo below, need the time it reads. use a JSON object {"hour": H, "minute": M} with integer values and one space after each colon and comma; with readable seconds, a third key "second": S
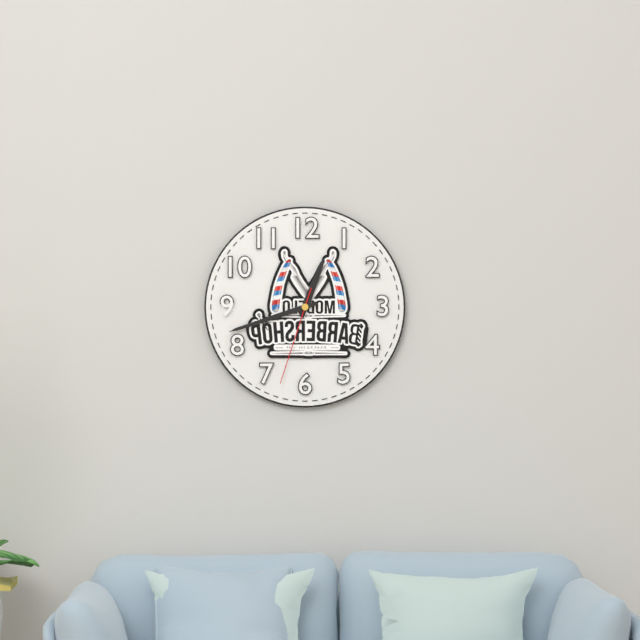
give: {"hour": 12, "minute": 42, "second": 33}
